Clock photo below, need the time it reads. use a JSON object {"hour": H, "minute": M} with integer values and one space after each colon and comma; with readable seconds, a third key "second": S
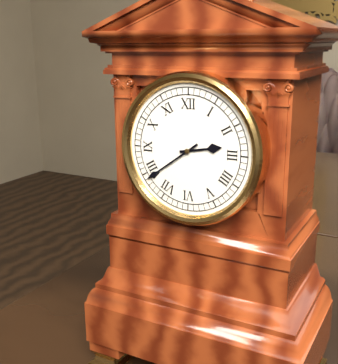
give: {"hour": 2, "minute": 39}
